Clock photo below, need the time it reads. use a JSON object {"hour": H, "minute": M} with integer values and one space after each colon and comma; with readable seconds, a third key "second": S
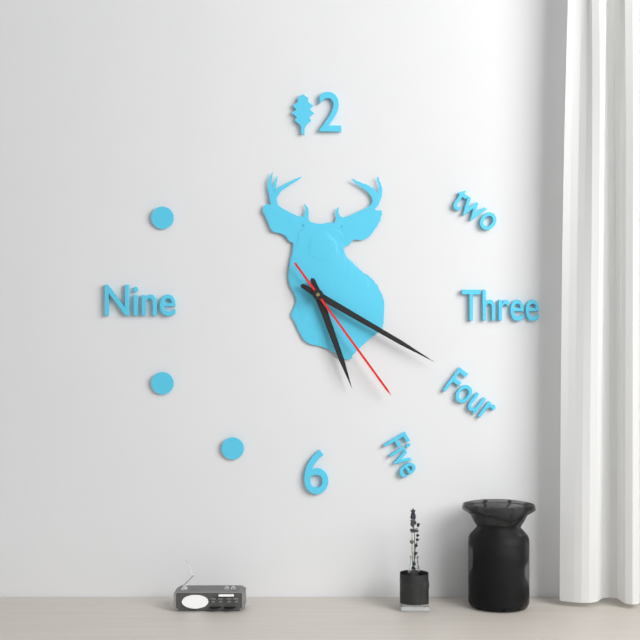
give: {"hour": 5, "minute": 20, "second": 24}
